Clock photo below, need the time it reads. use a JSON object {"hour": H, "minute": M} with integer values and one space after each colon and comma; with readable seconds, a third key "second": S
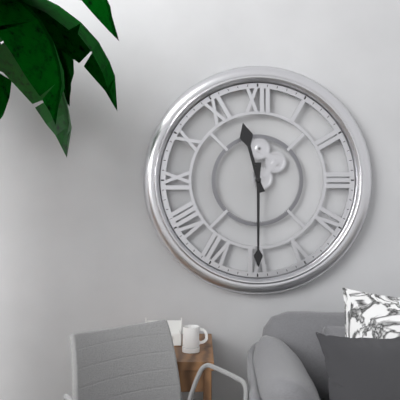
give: {"hour": 11, "minute": 30}
